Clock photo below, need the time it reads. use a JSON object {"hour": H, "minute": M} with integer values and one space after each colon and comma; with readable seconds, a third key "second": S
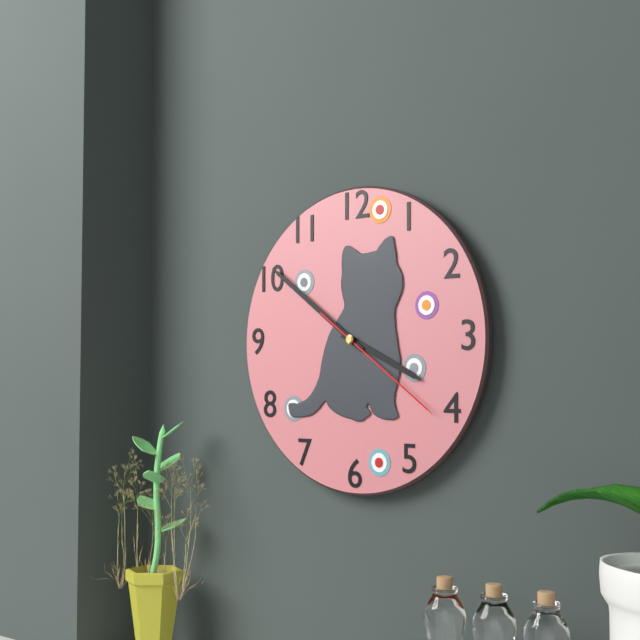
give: {"hour": 3, "minute": 51, "second": 21}
